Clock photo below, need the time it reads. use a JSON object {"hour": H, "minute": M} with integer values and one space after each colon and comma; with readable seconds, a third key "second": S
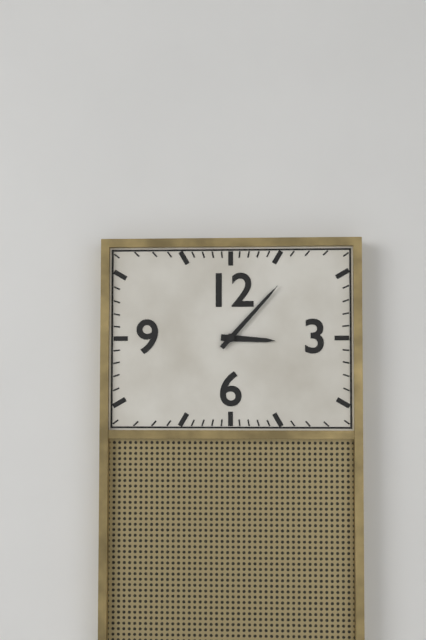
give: {"hour": 3, "minute": 7}
